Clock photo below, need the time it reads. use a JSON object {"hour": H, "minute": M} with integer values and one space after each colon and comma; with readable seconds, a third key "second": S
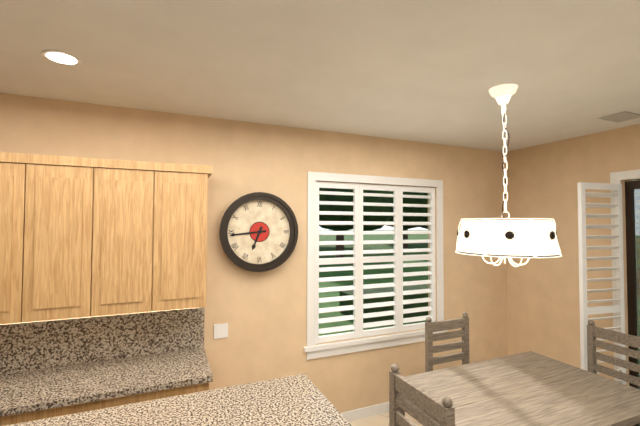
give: {"hour": 6, "minute": 44}
